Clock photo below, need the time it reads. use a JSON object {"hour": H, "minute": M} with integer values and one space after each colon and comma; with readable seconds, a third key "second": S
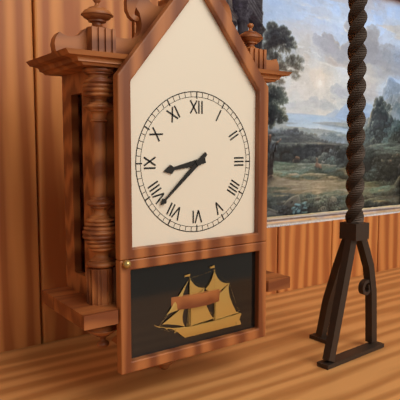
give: {"hour": 8, "minute": 38}
